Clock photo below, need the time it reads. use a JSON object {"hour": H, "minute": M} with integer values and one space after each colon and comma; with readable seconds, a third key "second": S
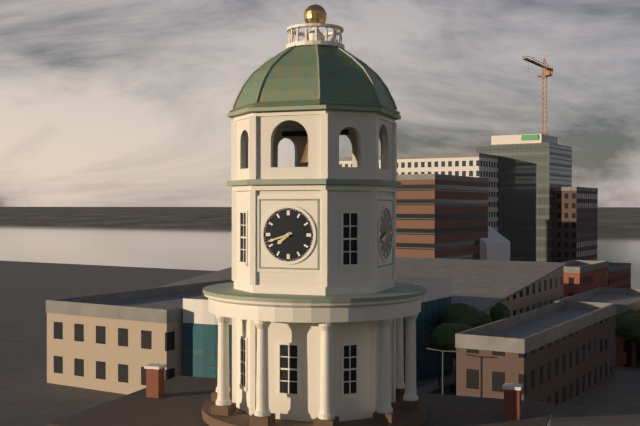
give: {"hour": 7, "minute": 42}
